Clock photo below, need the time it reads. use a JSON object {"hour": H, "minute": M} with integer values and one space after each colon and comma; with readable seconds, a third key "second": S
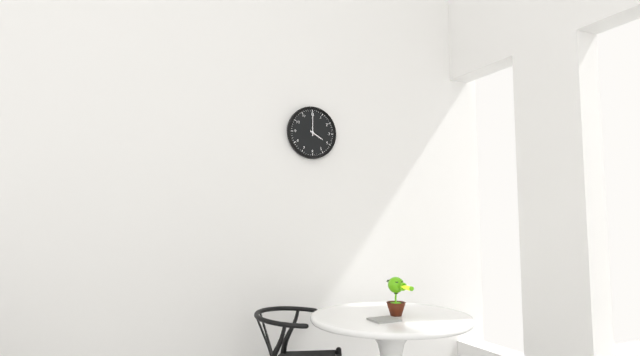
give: {"hour": 4, "minute": 0}
